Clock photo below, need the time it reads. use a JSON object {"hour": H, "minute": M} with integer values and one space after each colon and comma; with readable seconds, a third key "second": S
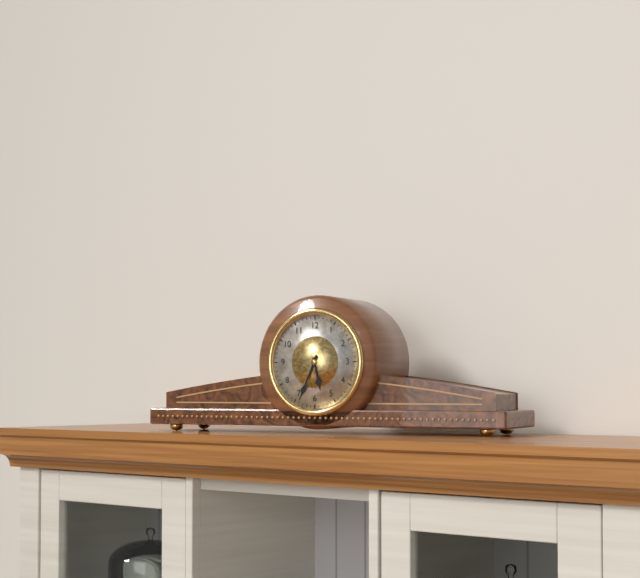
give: {"hour": 5, "minute": 34}
